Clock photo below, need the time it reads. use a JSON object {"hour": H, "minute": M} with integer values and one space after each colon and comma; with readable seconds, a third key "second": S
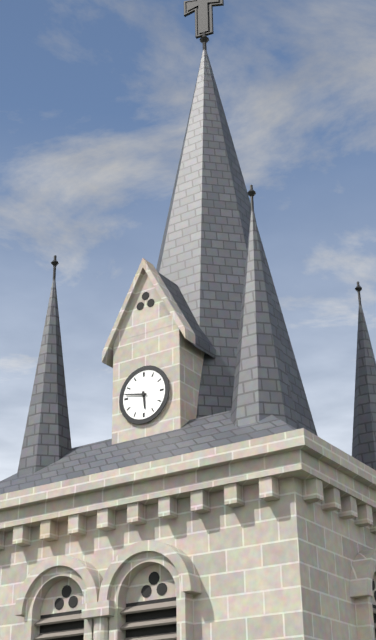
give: {"hour": 5, "minute": 47}
